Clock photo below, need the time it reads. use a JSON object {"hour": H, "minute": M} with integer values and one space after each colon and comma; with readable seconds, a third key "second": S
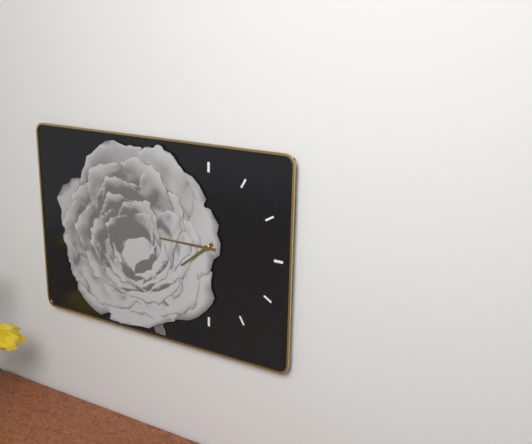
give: {"hour": 7, "minute": 45}
